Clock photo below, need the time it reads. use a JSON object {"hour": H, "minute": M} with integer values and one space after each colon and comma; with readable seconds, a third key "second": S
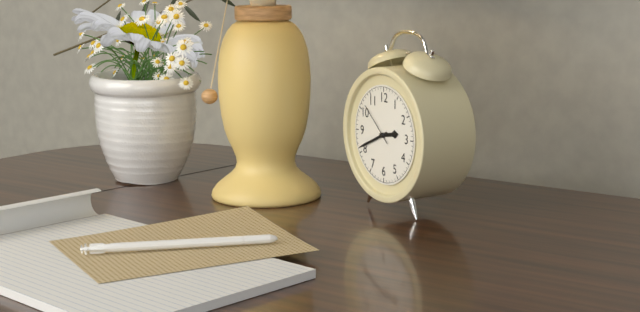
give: {"hour": 2, "minute": 41}
